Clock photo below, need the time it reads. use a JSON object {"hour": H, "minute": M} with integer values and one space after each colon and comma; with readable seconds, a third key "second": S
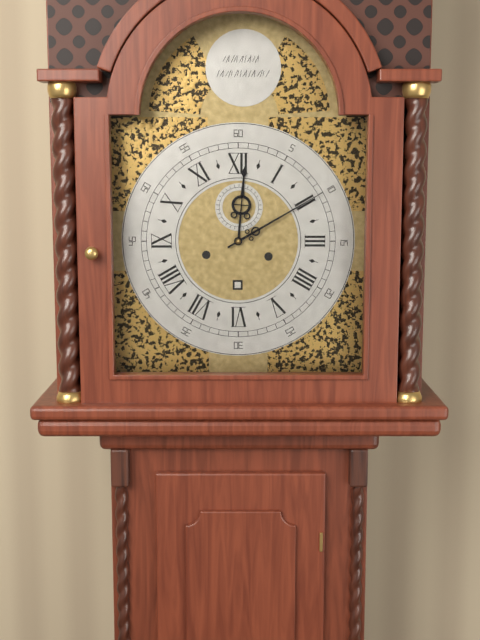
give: {"hour": 12, "minute": 10}
